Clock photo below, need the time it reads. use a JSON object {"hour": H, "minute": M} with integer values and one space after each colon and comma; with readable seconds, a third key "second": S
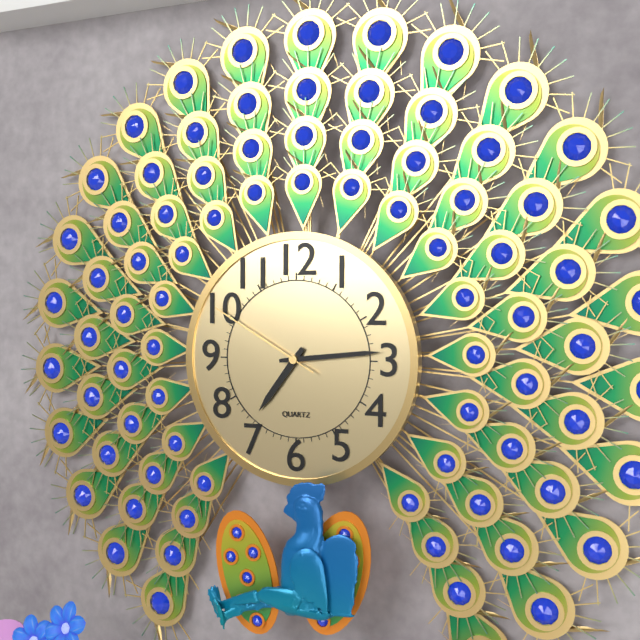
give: {"hour": 7, "minute": 14, "second": 50}
